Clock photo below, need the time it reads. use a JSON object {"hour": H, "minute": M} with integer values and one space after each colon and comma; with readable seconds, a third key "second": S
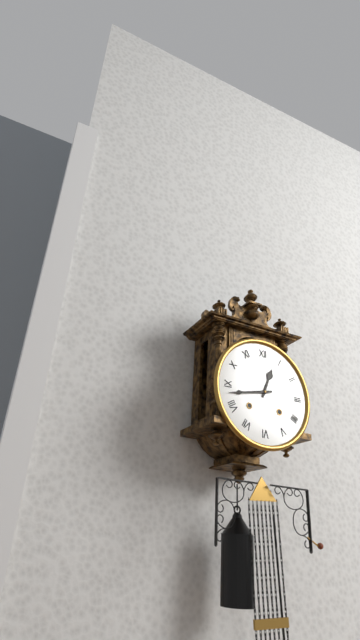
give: {"hour": 12, "minute": 43}
